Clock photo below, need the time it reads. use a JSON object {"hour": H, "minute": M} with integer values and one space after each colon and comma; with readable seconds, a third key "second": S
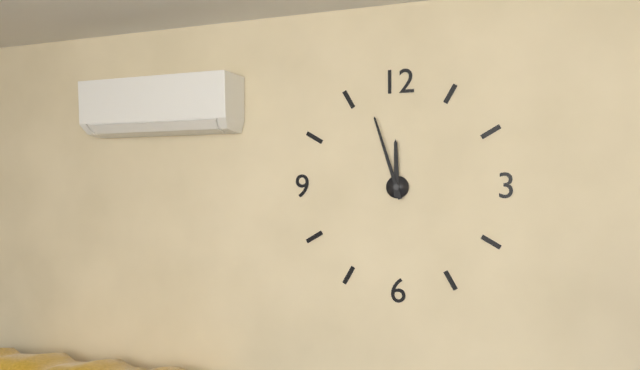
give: {"hour": 11, "minute": 57}
